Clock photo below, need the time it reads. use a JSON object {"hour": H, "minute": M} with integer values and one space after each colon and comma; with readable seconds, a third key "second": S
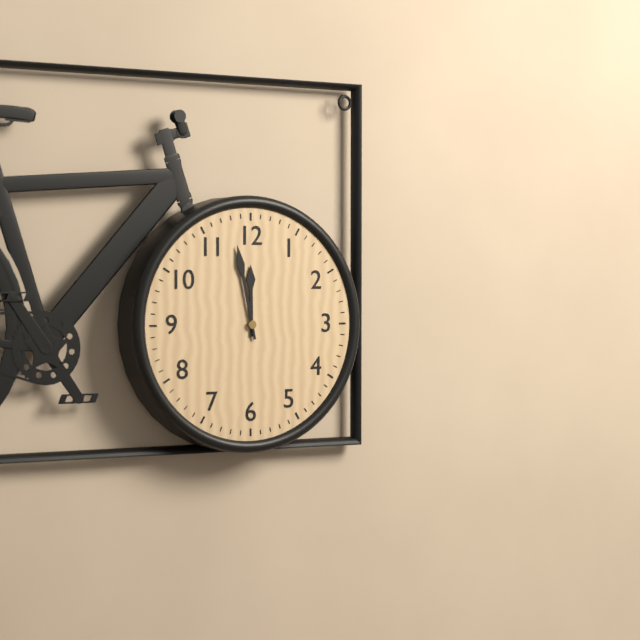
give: {"hour": 11, "minute": 58}
